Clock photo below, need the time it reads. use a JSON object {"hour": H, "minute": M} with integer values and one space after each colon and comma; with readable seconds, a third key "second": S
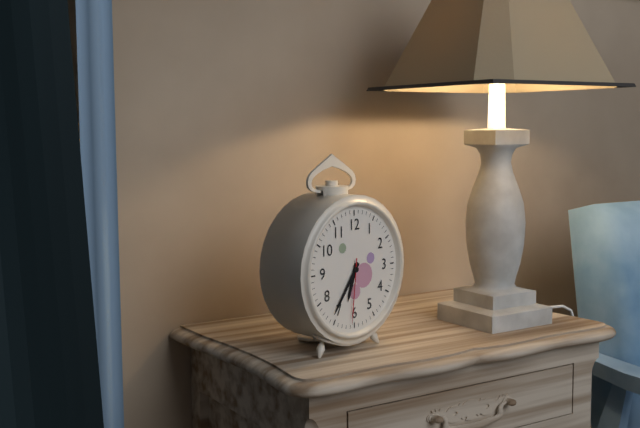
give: {"hour": 6, "minute": 36, "second": 31}
